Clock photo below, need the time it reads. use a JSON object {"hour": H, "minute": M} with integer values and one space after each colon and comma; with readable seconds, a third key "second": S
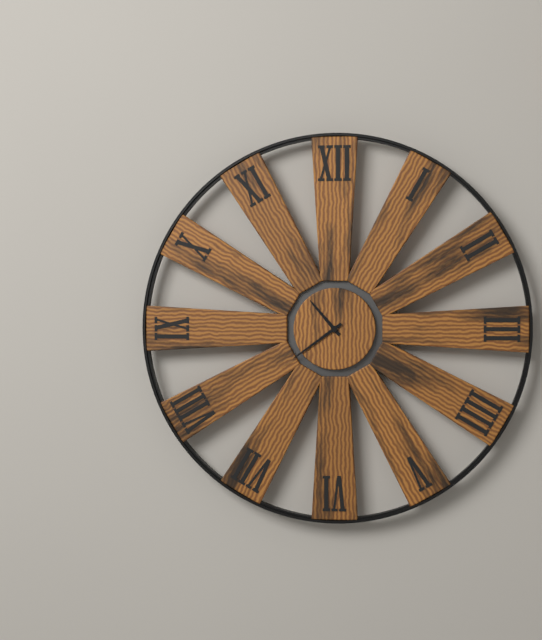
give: {"hour": 10, "minute": 39}
